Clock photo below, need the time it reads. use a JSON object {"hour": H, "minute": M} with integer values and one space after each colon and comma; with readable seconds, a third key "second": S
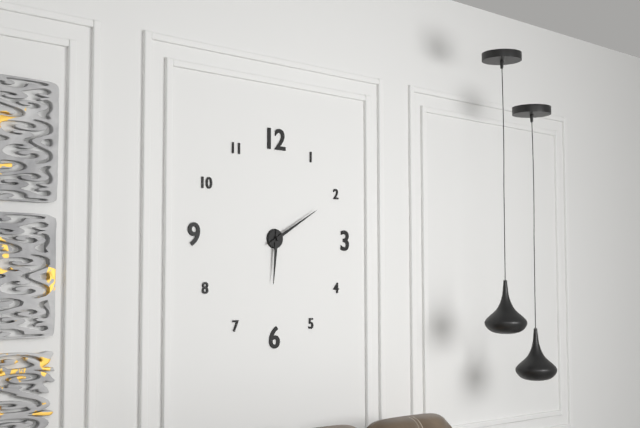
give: {"hour": 6, "minute": 10}
